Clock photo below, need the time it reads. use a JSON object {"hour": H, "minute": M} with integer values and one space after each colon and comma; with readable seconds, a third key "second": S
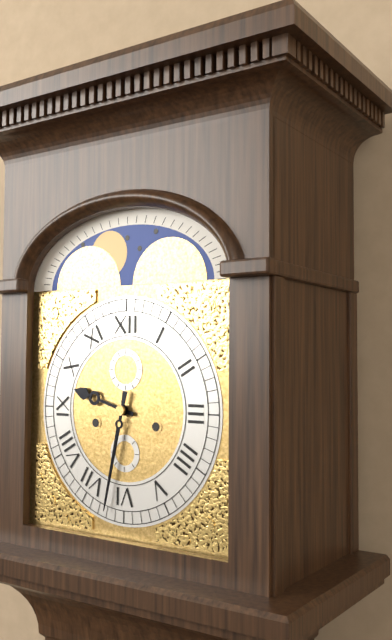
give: {"hour": 9, "minute": 32}
